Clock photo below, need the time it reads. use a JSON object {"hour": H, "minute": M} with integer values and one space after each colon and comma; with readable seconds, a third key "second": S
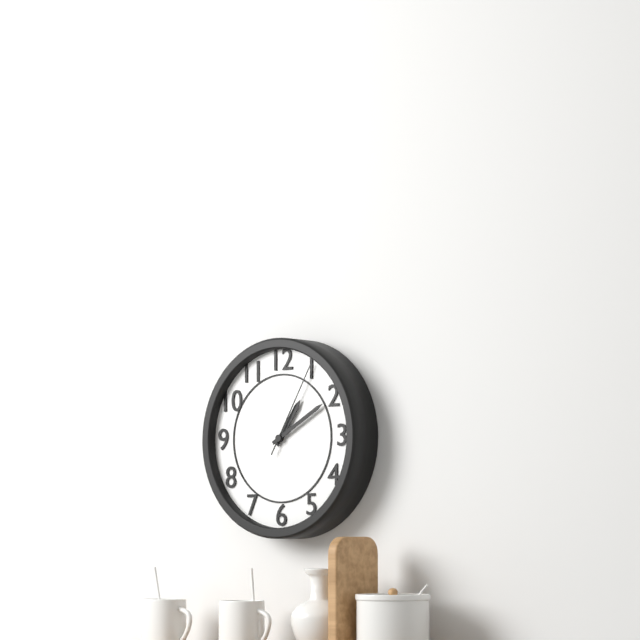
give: {"hour": 1, "minute": 10, "second": 5}
